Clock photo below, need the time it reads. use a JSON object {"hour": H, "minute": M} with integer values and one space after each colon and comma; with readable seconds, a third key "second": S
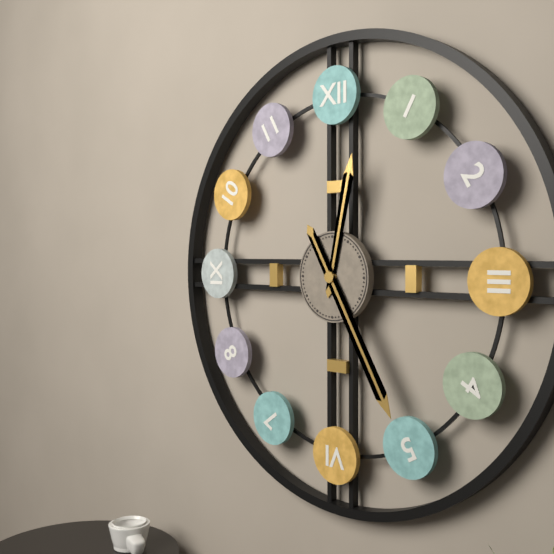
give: {"hour": 12, "minute": 25}
